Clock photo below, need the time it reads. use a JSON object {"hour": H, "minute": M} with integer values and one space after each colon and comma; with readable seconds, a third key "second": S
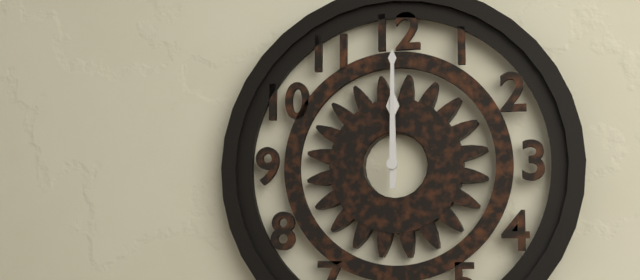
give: {"hour": 12, "minute": 0}
